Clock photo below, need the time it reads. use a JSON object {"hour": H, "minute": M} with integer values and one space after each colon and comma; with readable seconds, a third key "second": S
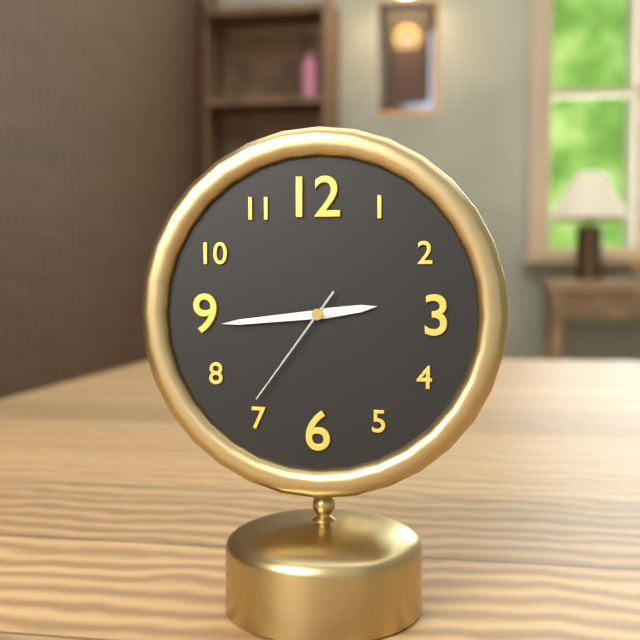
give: {"hour": 2, "minute": 44, "second": 36}
